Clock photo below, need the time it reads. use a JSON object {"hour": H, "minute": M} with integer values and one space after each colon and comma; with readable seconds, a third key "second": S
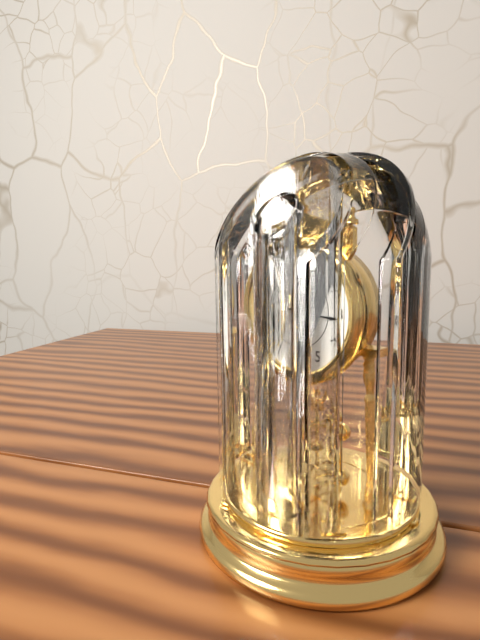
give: {"hour": 6, "minute": 16}
